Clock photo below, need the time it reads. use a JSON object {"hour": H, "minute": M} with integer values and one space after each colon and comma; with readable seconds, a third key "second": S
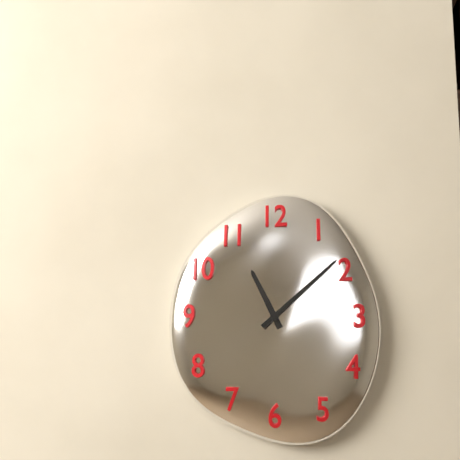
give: {"hour": 11, "minute": 8}
